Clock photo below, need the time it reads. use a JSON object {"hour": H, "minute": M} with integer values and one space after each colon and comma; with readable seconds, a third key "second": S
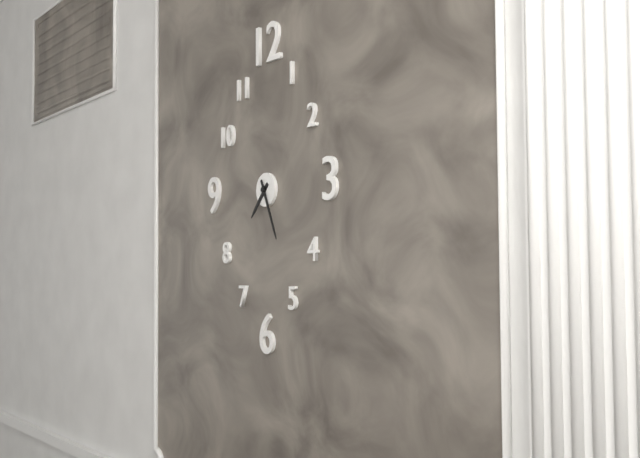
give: {"hour": 7, "minute": 26}
